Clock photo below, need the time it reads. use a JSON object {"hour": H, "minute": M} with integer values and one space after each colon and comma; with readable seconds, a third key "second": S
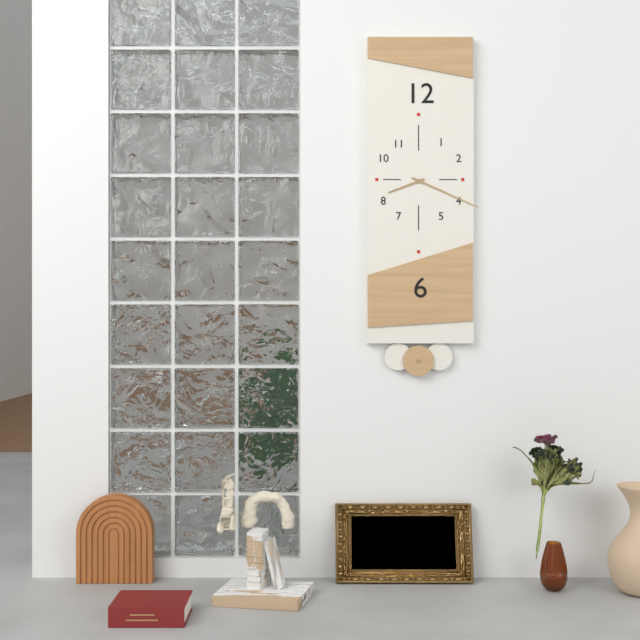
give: {"hour": 8, "minute": 19}
